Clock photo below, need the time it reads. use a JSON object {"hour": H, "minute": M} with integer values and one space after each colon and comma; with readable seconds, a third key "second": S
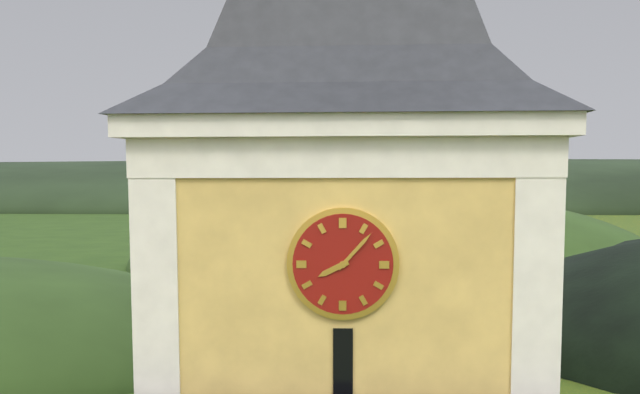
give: {"hour": 8, "minute": 7}
